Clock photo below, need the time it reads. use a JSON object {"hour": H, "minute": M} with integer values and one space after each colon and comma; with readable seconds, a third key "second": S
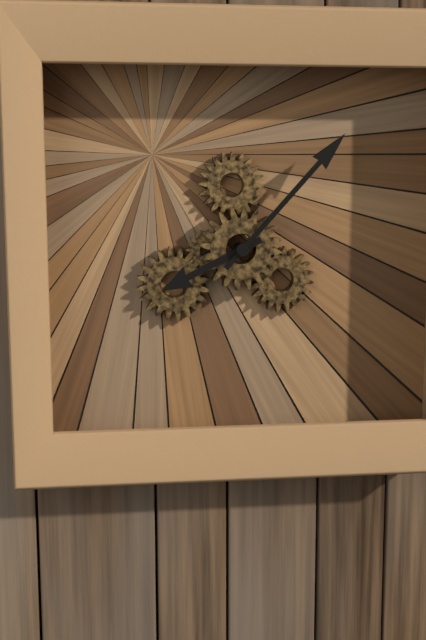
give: {"hour": 8, "minute": 7}
